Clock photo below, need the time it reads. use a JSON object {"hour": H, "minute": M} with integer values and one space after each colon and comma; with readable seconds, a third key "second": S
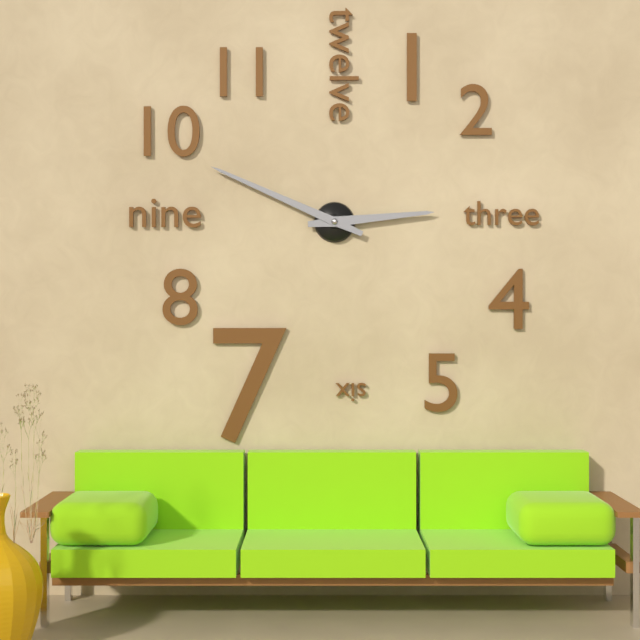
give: {"hour": 2, "minute": 49}
